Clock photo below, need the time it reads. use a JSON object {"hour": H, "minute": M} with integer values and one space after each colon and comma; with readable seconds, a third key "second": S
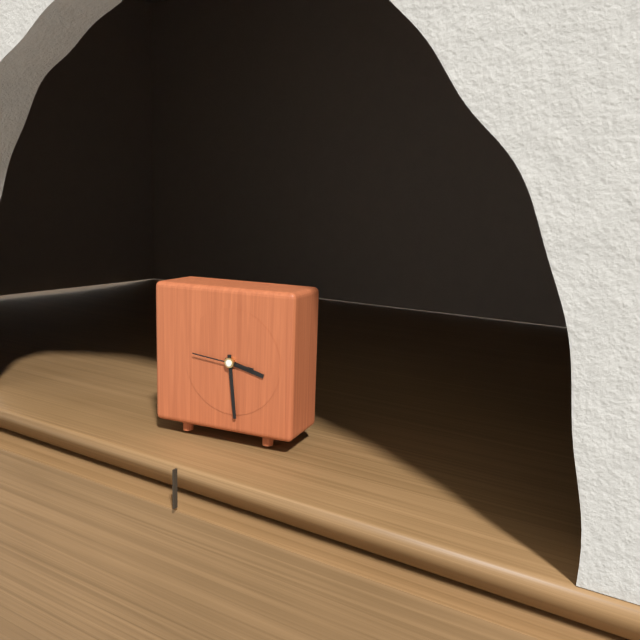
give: {"hour": 3, "minute": 29}
